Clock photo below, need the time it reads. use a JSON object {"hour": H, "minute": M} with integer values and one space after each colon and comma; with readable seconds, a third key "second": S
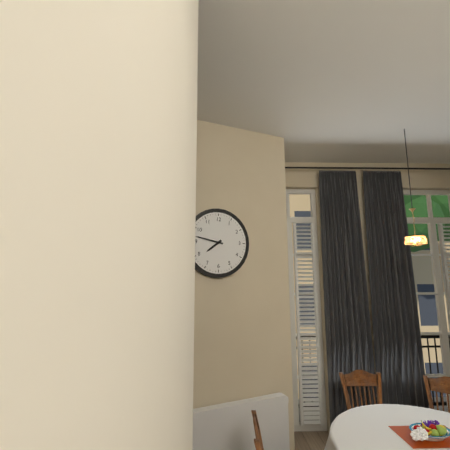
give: {"hour": 7, "minute": 47}
